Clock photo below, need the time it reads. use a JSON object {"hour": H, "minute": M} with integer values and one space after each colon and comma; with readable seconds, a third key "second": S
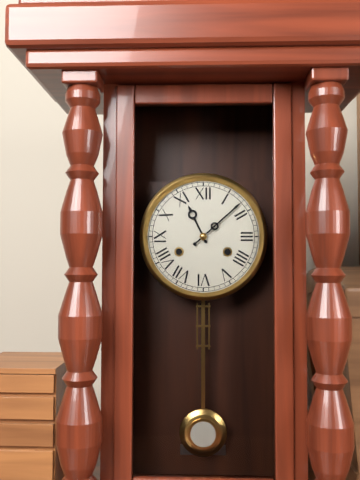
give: {"hour": 11, "minute": 8}
